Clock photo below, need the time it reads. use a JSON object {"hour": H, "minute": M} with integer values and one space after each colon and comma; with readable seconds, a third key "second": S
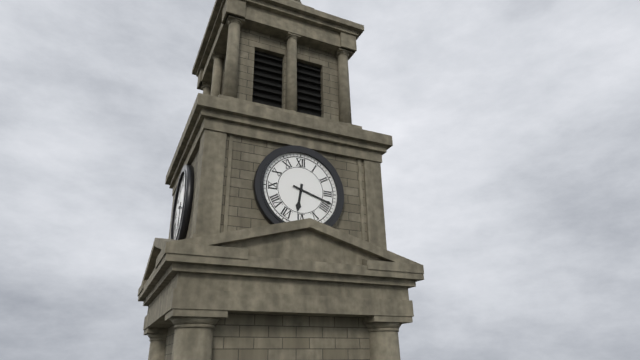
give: {"hour": 6, "minute": 18}
